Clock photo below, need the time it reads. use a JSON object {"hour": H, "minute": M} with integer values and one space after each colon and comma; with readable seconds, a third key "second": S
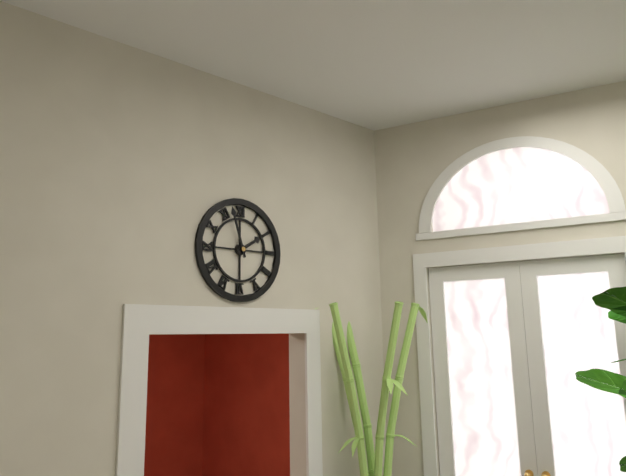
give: {"hour": 1, "minute": 57}
